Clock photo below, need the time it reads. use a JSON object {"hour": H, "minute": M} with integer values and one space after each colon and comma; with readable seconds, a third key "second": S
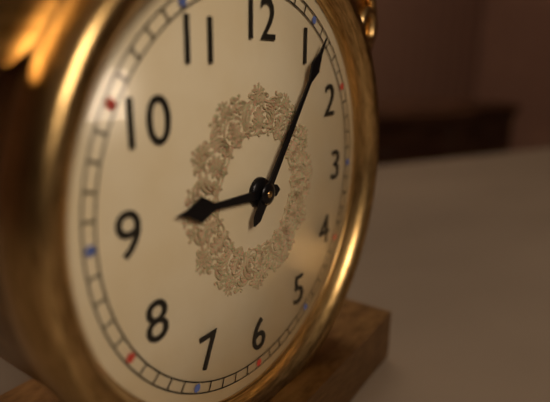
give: {"hour": 9, "minute": 6}
